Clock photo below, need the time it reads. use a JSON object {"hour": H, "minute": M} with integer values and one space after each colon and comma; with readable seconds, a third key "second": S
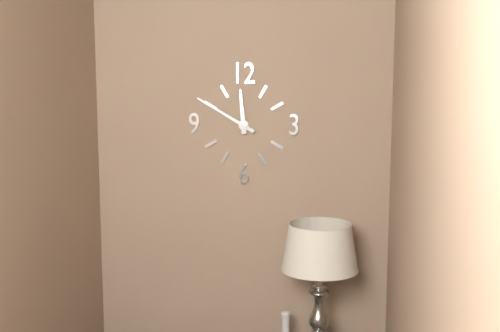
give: {"hour": 11, "minute": 50}
